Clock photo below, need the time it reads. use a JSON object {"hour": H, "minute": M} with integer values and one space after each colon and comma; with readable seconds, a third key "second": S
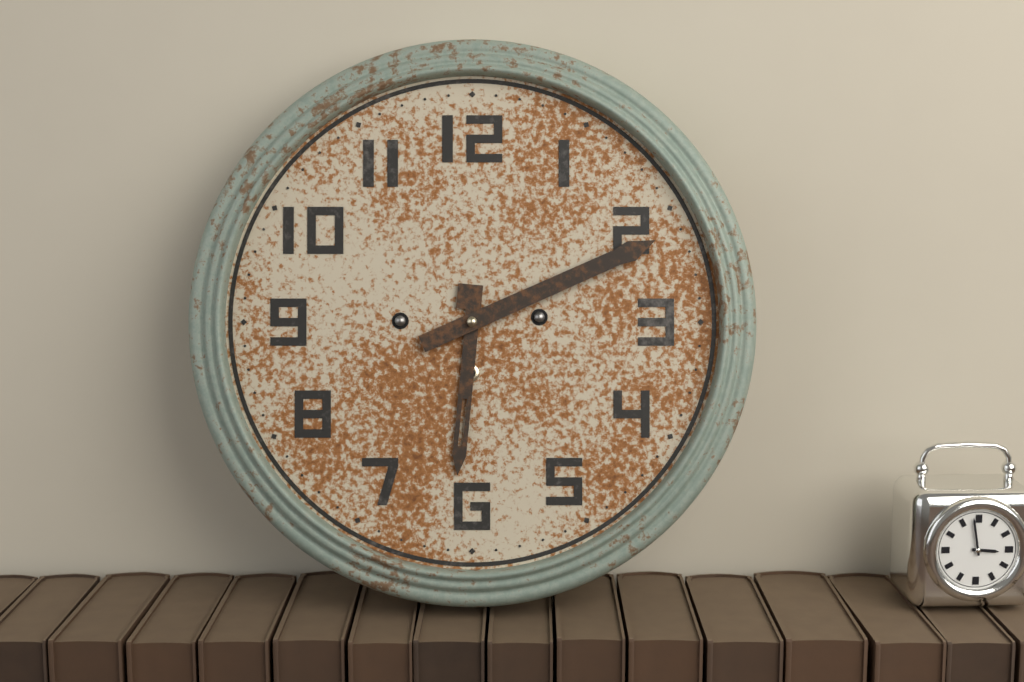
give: {"hour": 6, "minute": 11}
